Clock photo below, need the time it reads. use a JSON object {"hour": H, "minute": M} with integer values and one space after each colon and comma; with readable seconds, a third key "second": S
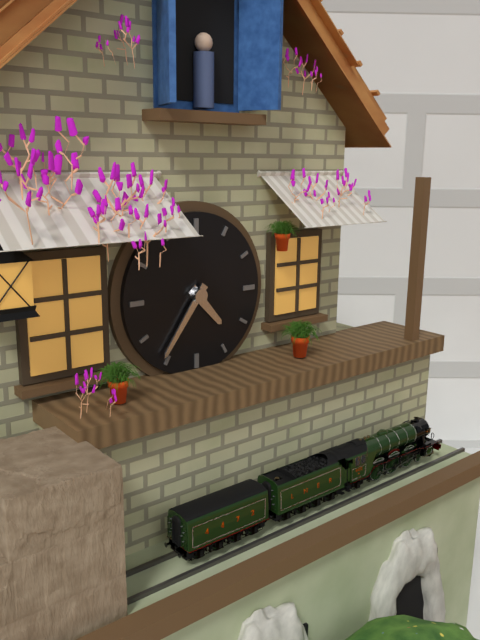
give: {"hour": 4, "minute": 36}
